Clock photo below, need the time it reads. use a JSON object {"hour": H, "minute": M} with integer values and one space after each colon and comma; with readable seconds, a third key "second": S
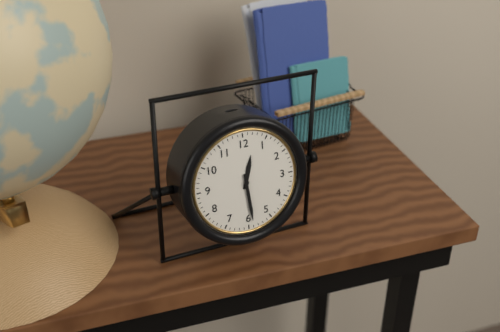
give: {"hour": 12, "minute": 29}
